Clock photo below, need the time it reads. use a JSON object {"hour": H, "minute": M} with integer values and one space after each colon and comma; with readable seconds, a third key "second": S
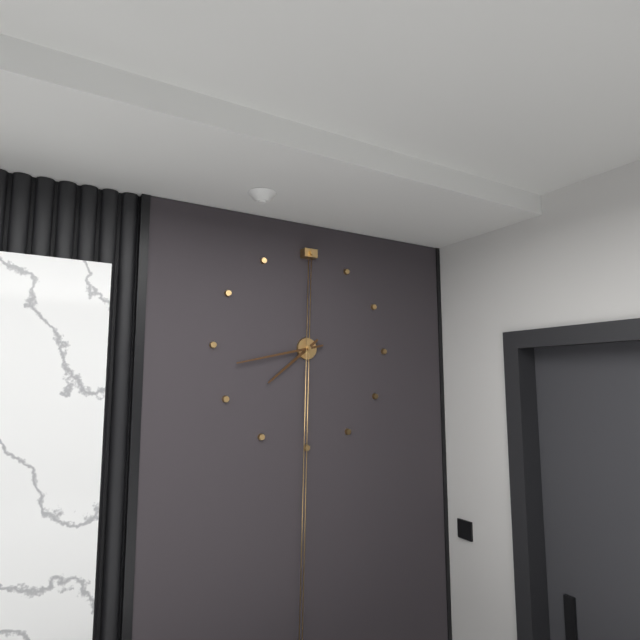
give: {"hour": 7, "minute": 43}
